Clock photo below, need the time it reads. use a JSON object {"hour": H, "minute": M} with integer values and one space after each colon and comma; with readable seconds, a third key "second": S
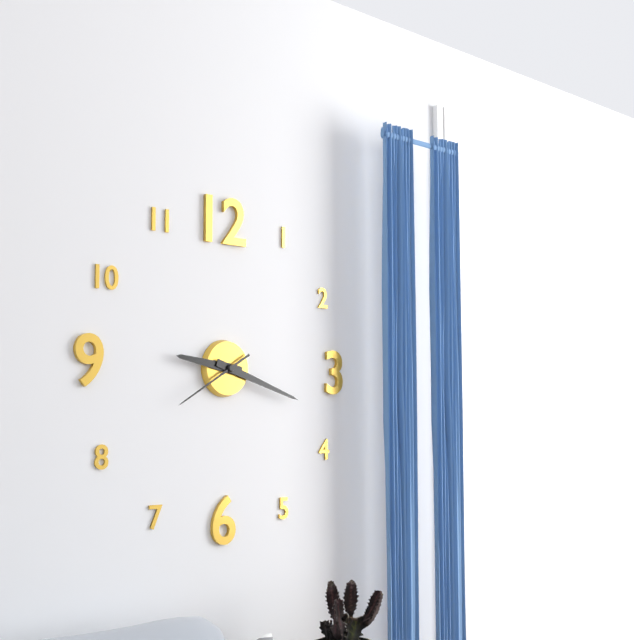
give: {"hour": 9, "minute": 18, "second": 40}
